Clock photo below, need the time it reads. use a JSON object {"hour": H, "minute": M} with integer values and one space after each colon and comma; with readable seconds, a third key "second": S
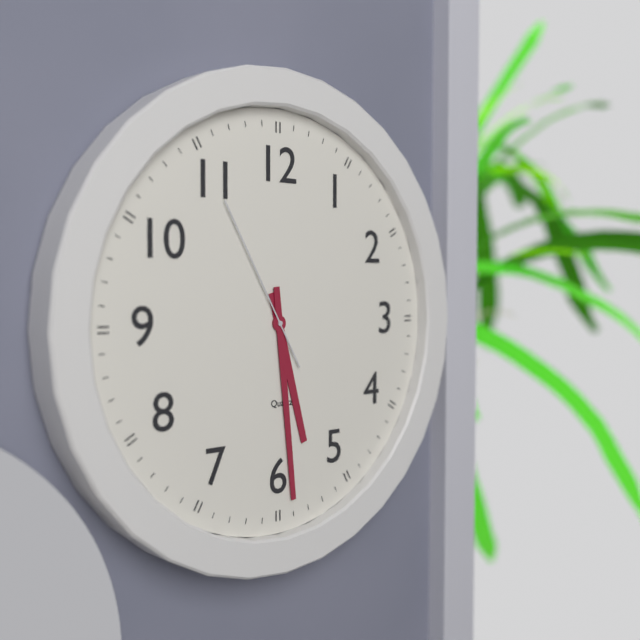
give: {"hour": 5, "minute": 29, "second": 55}
